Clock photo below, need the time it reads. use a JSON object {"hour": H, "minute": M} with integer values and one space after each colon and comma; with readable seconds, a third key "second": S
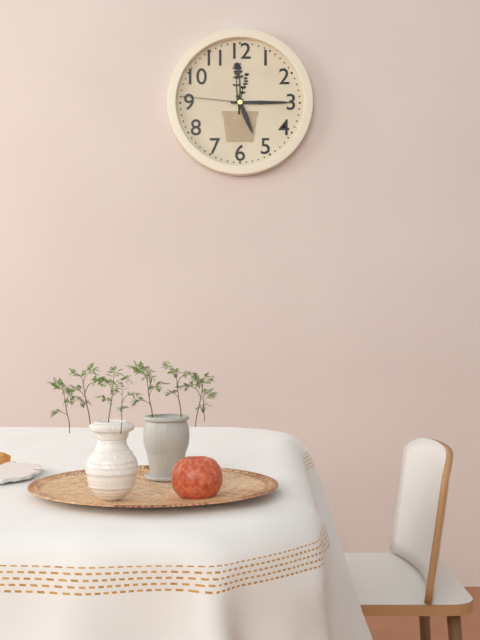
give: {"hour": 5, "minute": 15, "second": 46}
